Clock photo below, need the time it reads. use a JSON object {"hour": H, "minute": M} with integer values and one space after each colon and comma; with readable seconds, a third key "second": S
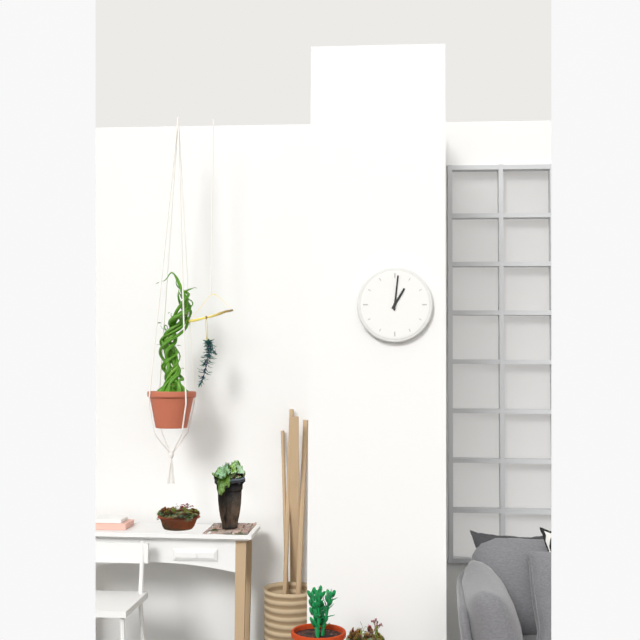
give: {"hour": 1, "minute": 1}
